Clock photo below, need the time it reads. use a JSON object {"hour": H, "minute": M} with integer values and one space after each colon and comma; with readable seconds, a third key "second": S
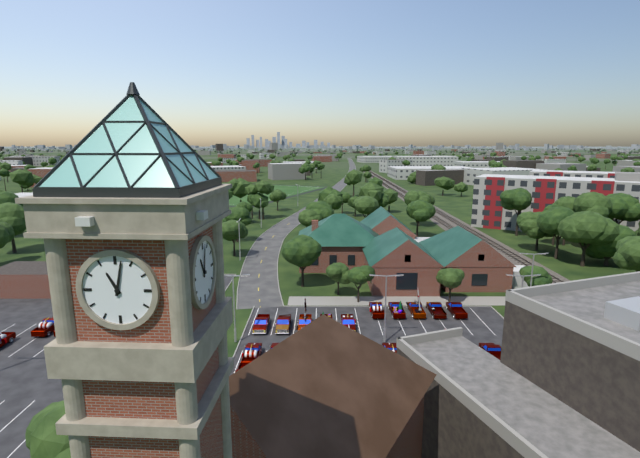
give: {"hour": 11, "minute": 2}
